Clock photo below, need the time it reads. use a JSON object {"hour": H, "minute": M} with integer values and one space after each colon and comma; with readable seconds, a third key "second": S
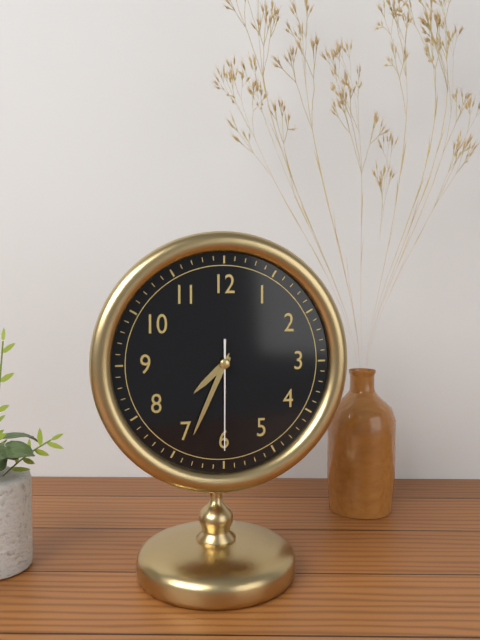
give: {"hour": 7, "minute": 34, "second": 30}
